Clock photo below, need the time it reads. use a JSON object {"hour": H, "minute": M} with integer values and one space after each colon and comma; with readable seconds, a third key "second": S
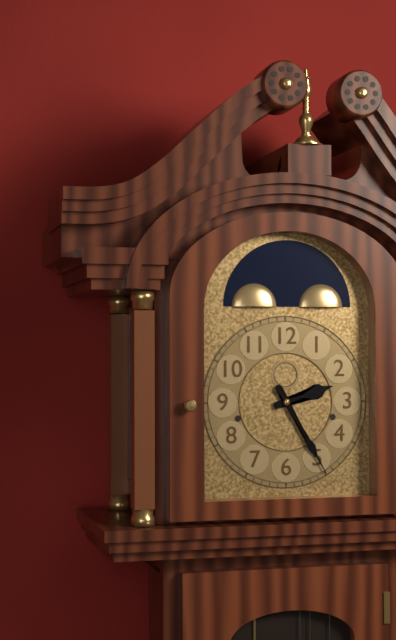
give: {"hour": 2, "minute": 25}
